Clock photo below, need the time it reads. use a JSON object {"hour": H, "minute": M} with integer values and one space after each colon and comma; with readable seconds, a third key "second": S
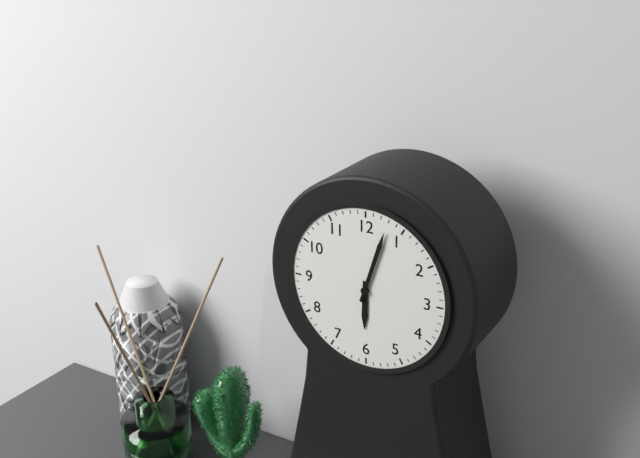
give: {"hour": 6, "minute": 3}
